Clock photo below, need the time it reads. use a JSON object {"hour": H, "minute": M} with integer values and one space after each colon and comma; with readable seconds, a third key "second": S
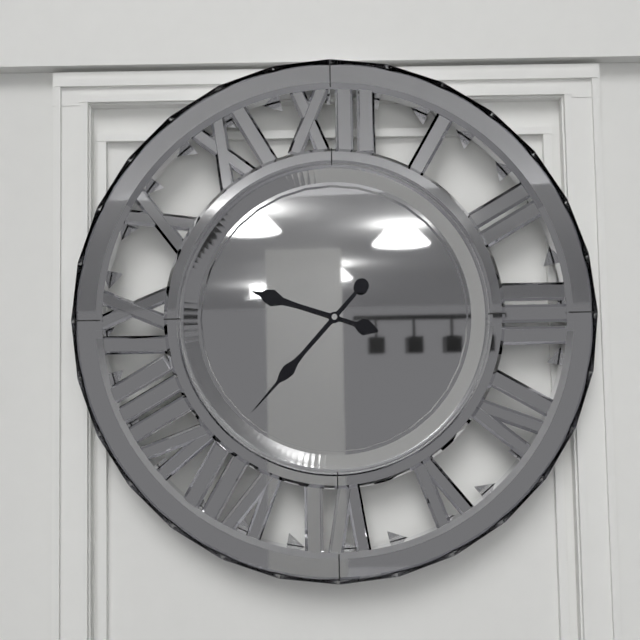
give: {"hour": 9, "minute": 37}
